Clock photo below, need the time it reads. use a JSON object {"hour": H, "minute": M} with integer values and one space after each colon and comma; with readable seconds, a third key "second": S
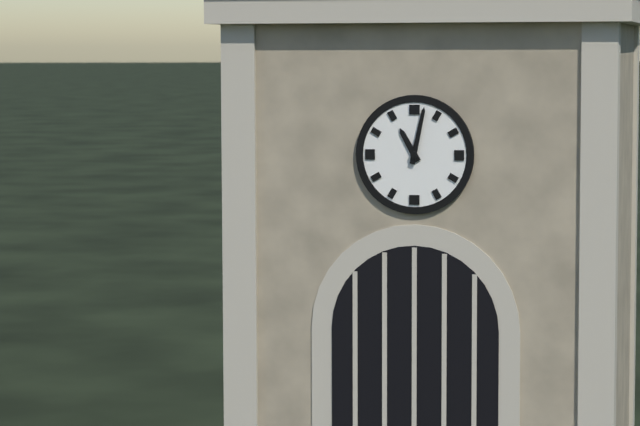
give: {"hour": 11, "minute": 2}
